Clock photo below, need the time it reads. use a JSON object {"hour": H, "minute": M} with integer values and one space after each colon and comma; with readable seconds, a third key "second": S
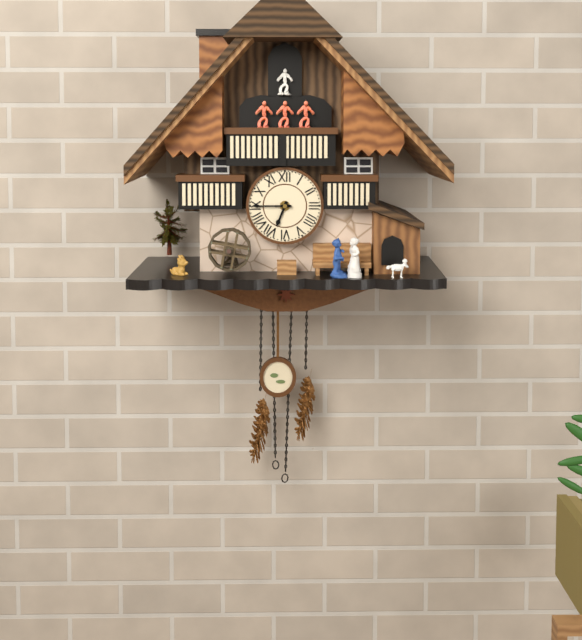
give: {"hour": 6, "minute": 45}
